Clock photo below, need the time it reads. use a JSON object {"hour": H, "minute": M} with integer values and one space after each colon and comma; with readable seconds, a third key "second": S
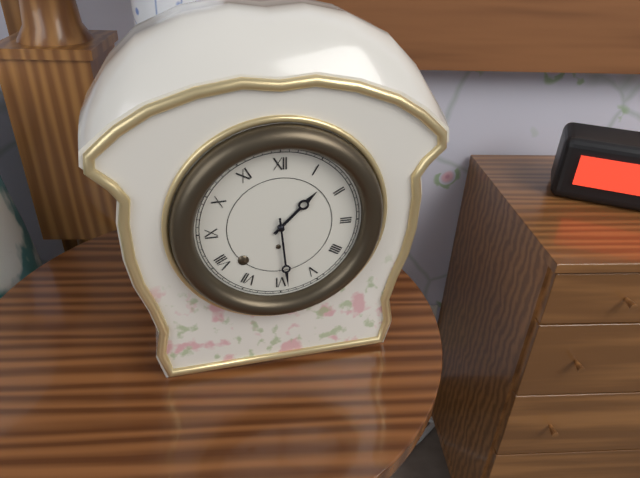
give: {"hour": 1, "minute": 29}
